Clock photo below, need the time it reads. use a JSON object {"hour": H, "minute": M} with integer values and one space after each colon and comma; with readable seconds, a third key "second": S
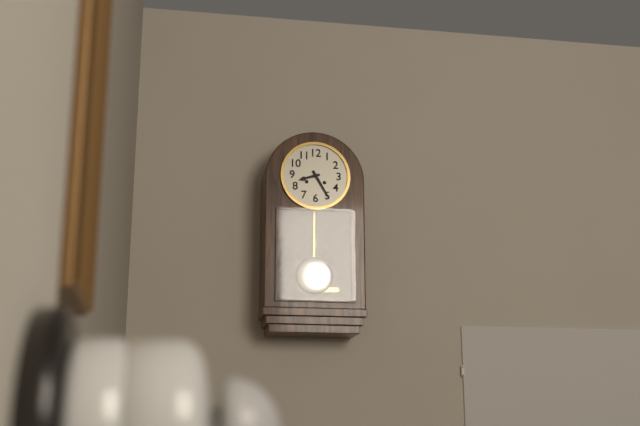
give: {"hour": 8, "minute": 25}
